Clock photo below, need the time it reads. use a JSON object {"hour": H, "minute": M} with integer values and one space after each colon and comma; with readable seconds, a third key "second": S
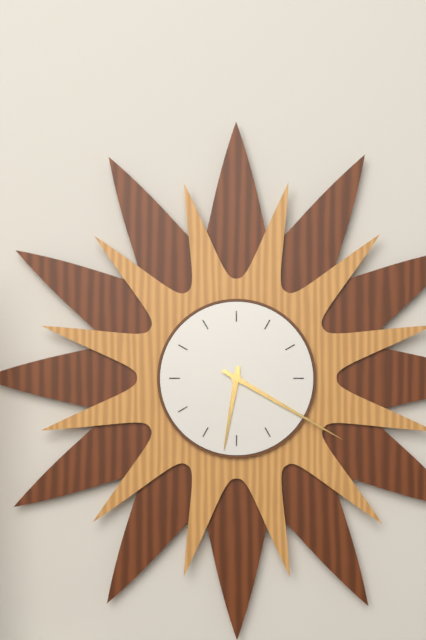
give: {"hour": 6, "minute": 20}
